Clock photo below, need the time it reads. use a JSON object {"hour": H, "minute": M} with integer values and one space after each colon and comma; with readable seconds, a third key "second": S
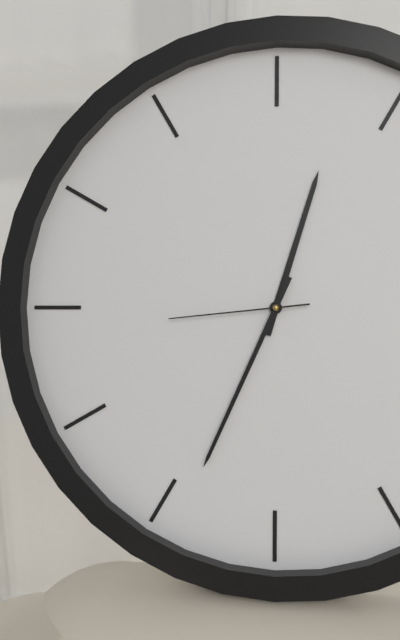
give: {"hour": 12, "minute": 34, "second": 44}
